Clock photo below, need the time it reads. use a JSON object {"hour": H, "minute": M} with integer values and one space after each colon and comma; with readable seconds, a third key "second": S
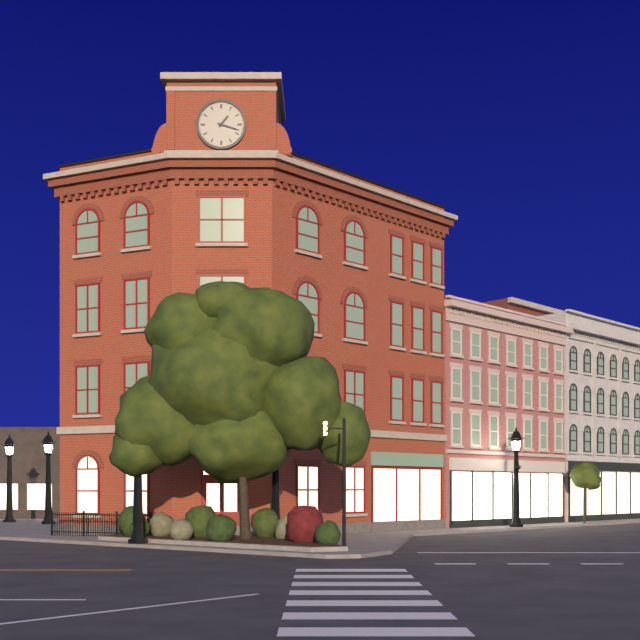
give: {"hour": 1, "minute": 18}
